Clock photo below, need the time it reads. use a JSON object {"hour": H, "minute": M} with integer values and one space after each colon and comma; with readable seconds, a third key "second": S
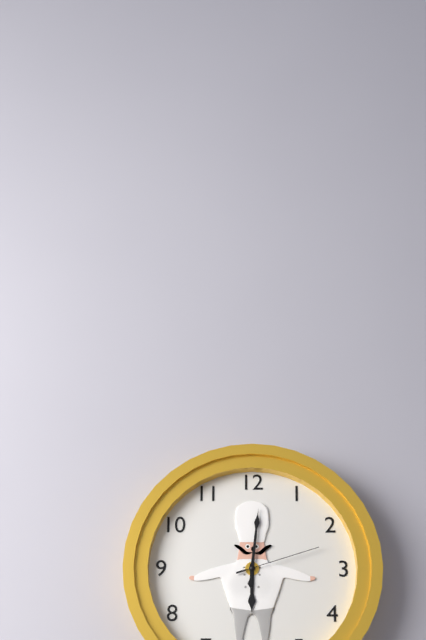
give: {"hour": 6, "minute": 1, "second": 12}
